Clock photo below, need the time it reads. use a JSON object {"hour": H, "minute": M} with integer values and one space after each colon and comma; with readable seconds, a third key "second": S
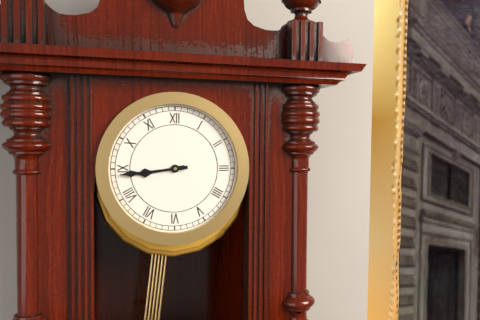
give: {"hour": 8, "minute": 44}
